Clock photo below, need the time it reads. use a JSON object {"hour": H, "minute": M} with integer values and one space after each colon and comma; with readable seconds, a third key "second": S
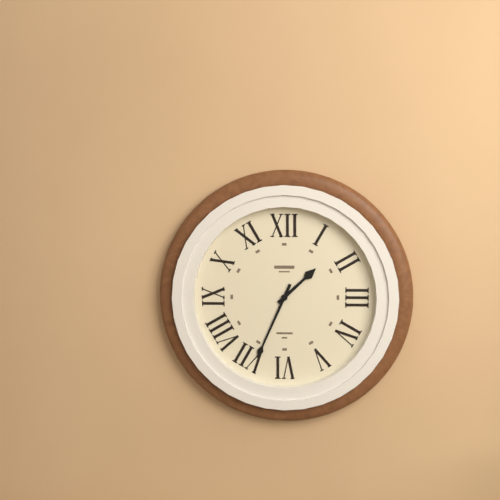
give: {"hour": 1, "minute": 34}
